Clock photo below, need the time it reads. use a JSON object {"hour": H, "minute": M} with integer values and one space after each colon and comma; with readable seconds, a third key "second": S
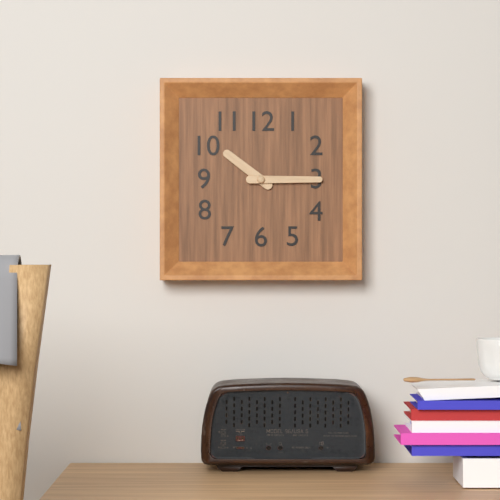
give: {"hour": 10, "minute": 15}
